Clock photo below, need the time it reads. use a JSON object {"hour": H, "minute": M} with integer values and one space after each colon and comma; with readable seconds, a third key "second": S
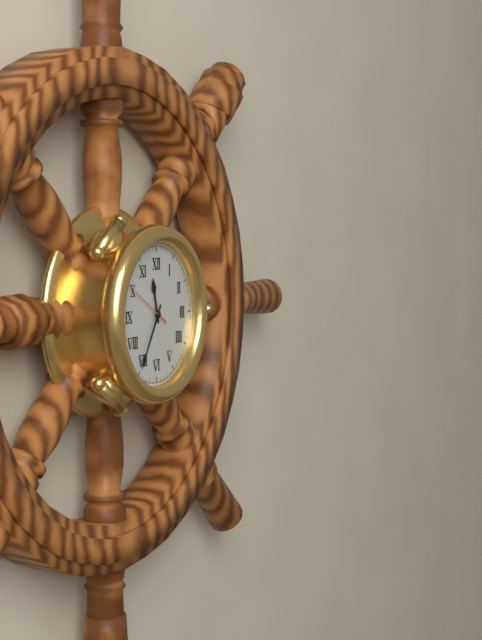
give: {"hour": 11, "minute": 35, "second": 50}
